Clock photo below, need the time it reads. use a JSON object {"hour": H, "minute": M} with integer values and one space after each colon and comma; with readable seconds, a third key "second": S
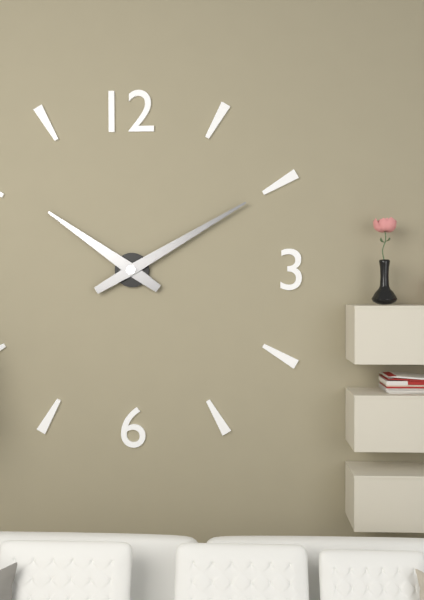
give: {"hour": 10, "minute": 10}
